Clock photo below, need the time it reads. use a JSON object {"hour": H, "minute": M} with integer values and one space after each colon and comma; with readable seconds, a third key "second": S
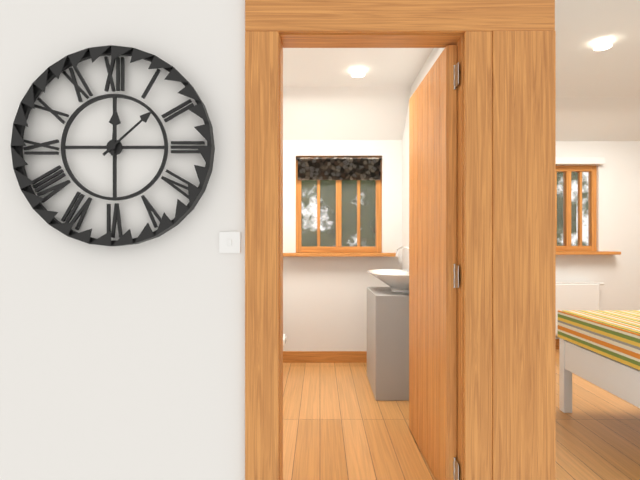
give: {"hour": 12, "minute": 8}
